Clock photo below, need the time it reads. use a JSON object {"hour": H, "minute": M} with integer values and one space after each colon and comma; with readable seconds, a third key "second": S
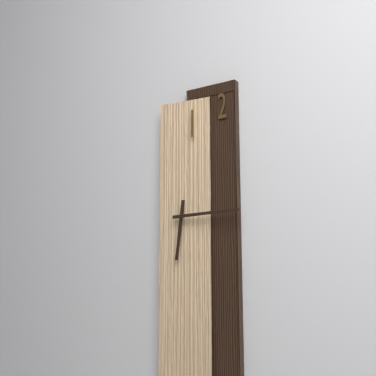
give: {"hour": 6, "minute": 15}
